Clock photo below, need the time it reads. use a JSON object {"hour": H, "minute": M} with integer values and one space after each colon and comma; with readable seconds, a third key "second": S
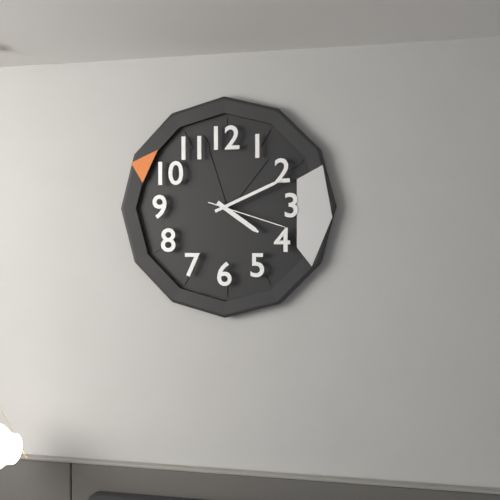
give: {"hour": 4, "minute": 11, "second": 18}
